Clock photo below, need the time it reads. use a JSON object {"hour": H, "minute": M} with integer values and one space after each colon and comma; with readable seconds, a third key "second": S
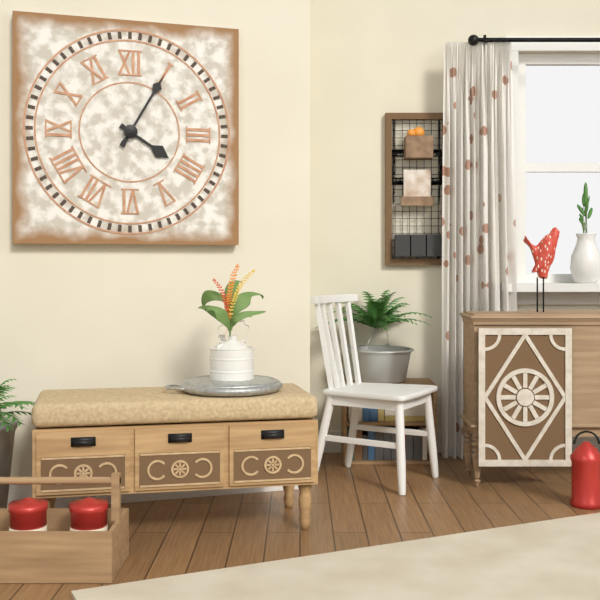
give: {"hour": 4, "minute": 5}
